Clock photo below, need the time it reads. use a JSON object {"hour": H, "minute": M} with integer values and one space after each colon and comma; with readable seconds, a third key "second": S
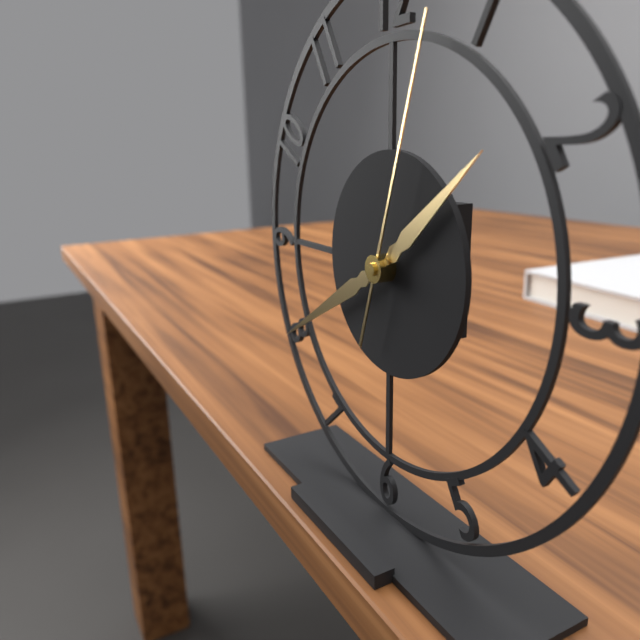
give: {"hour": 1, "minute": 40, "second": 3}
